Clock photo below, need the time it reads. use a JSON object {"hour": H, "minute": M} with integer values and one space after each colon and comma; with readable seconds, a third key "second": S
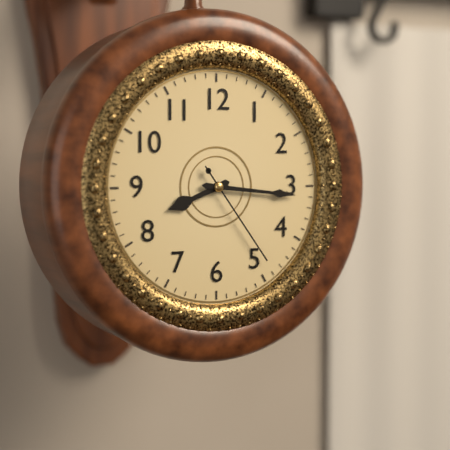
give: {"hour": 8, "minute": 16, "second": 24}
